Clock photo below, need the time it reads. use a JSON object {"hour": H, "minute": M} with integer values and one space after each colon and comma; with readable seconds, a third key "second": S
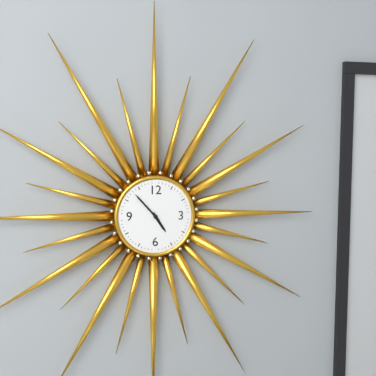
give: {"hour": 4, "minute": 53}
